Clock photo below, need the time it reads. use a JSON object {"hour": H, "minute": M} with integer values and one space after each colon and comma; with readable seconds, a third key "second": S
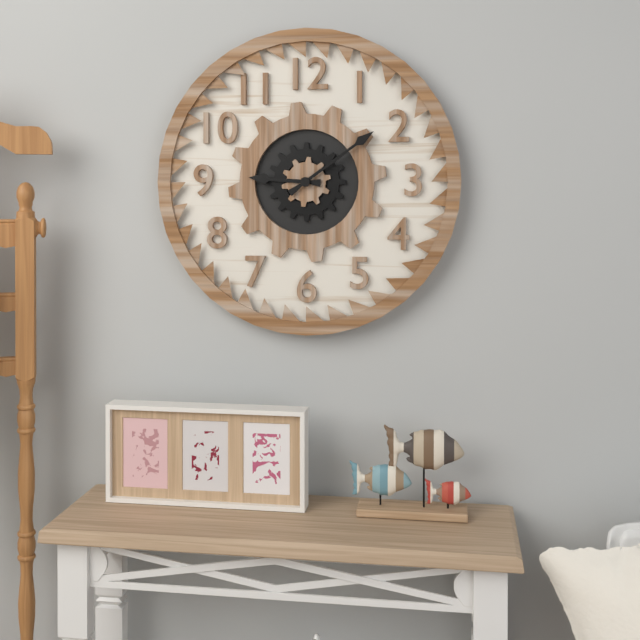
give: {"hour": 9, "minute": 9}
